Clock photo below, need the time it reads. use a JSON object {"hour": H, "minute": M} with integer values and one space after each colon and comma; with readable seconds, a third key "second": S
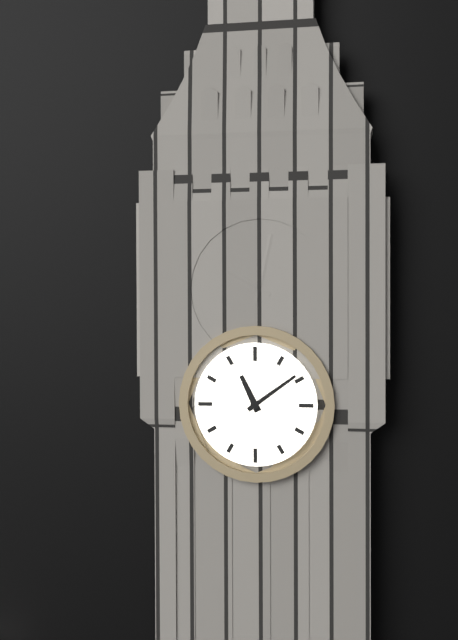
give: {"hour": 11, "minute": 9}
